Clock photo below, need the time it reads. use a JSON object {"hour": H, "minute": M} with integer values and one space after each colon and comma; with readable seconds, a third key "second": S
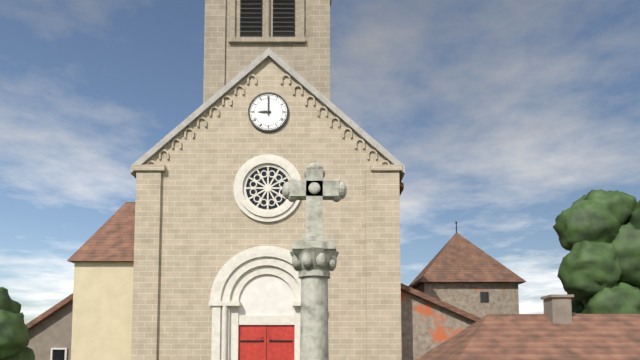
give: {"hour": 9, "minute": 0}
